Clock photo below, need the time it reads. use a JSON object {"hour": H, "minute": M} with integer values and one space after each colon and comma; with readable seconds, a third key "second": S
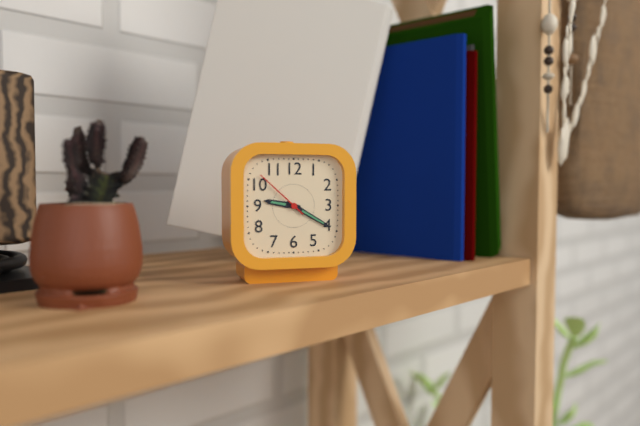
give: {"hour": 9, "minute": 20}
